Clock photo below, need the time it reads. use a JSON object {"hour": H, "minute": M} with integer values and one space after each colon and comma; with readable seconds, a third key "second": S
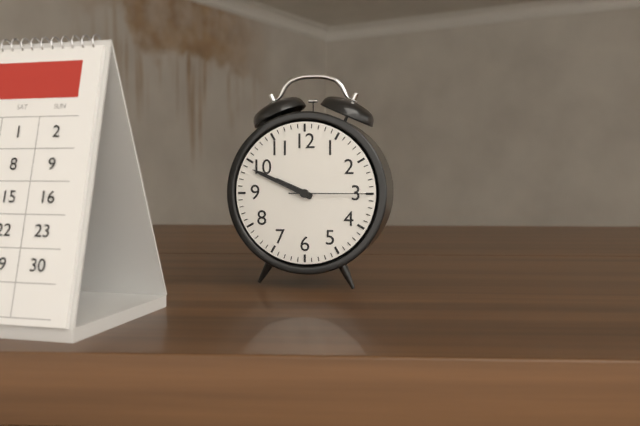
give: {"hour": 9, "minute": 49, "second": 15}
